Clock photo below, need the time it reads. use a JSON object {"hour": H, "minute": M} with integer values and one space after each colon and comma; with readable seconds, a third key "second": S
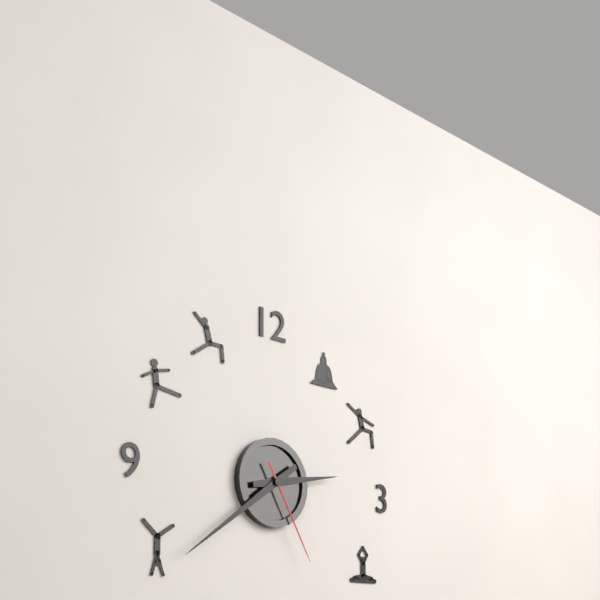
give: {"hour": 2, "minute": 39, "second": 25}
